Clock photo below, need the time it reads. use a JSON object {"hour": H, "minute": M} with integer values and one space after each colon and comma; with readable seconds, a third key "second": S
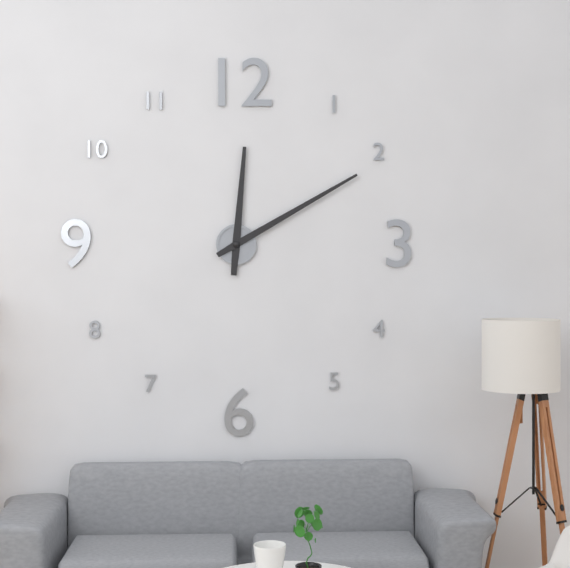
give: {"hour": 12, "minute": 10}
